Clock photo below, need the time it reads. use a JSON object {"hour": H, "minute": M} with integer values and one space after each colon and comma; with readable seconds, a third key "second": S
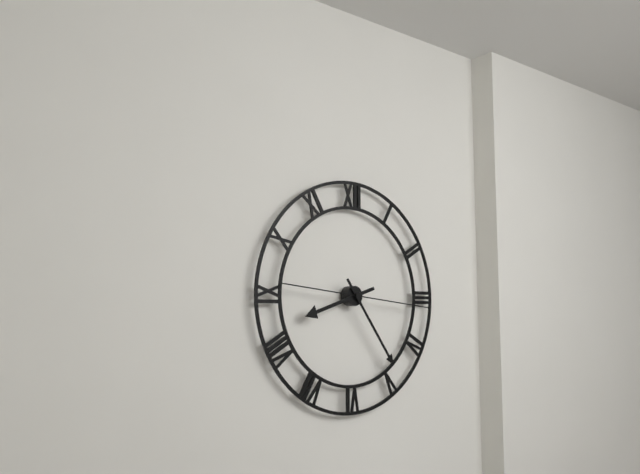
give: {"hour": 8, "minute": 24, "second": 16}
